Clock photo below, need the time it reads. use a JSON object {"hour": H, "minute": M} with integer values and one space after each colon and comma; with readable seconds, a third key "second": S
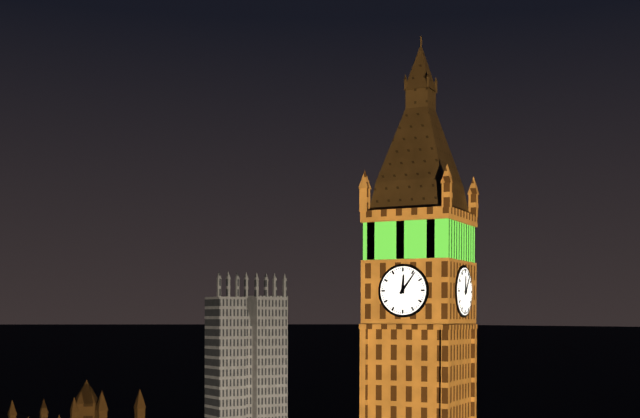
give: {"hour": 12, "minute": 6}
